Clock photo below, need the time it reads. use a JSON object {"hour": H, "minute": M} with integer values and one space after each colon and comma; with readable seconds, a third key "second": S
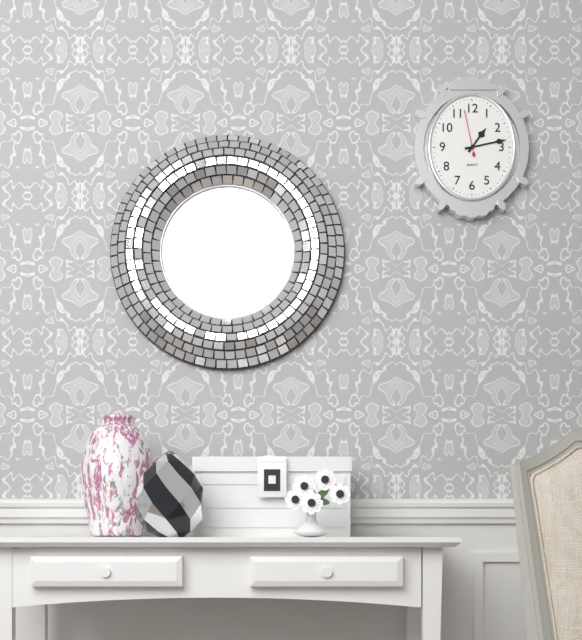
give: {"hour": 1, "minute": 13}
